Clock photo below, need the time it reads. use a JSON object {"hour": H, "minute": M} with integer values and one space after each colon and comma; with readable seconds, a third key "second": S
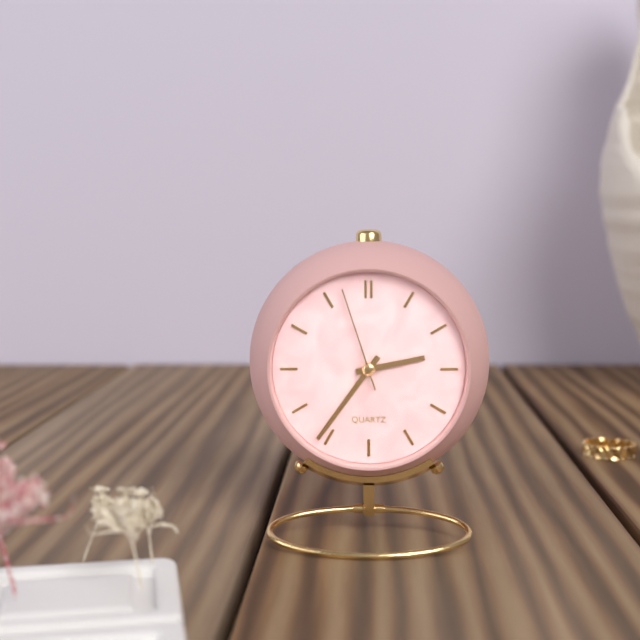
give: {"hour": 2, "minute": 36, "second": 57}
